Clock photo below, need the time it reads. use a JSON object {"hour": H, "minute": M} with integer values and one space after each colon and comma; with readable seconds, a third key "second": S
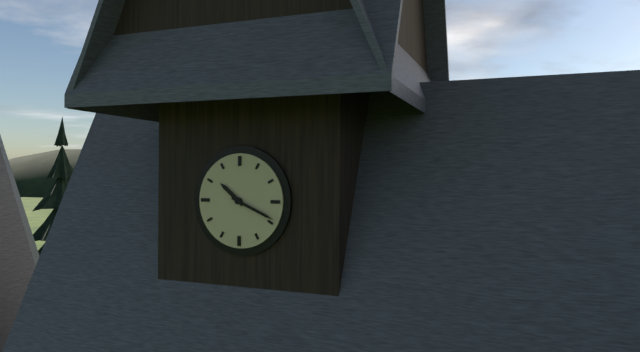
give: {"hour": 10, "minute": 19}
